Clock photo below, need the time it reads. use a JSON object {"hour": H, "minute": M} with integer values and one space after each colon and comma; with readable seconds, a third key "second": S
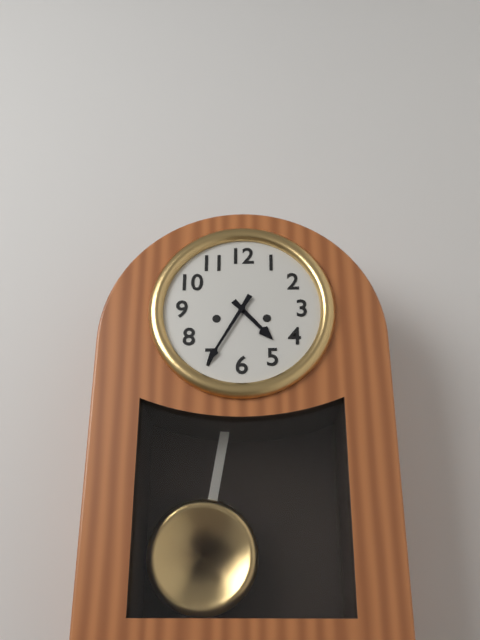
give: {"hour": 4, "minute": 35}
